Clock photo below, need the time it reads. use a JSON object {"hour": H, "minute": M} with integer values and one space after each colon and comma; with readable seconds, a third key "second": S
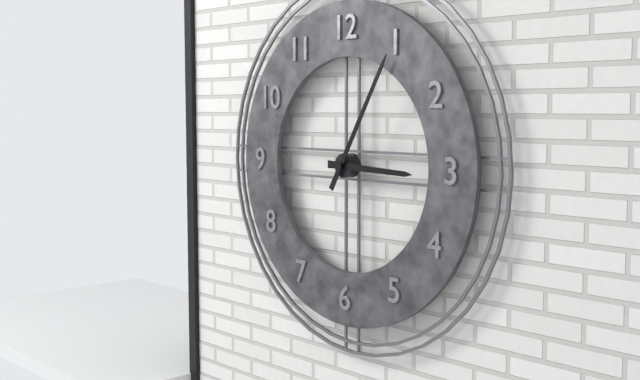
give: {"hour": 3, "minute": 5}
